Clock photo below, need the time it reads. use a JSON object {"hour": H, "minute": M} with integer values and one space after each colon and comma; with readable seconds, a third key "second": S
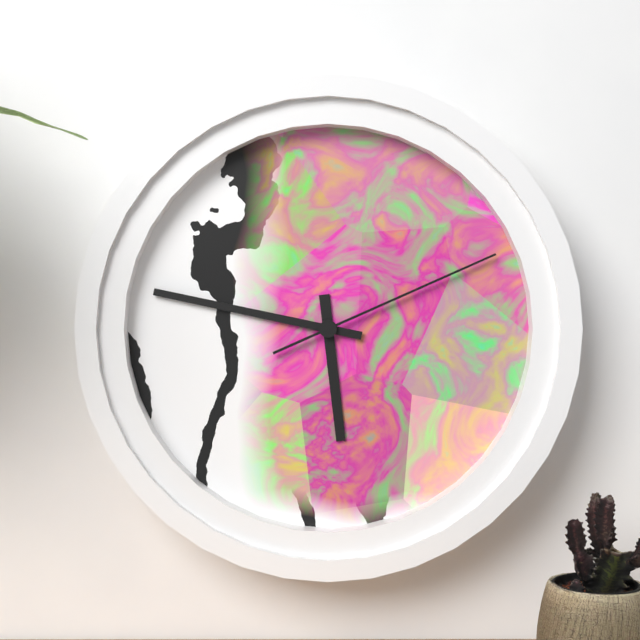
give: {"hour": 5, "minute": 47, "second": 11}
